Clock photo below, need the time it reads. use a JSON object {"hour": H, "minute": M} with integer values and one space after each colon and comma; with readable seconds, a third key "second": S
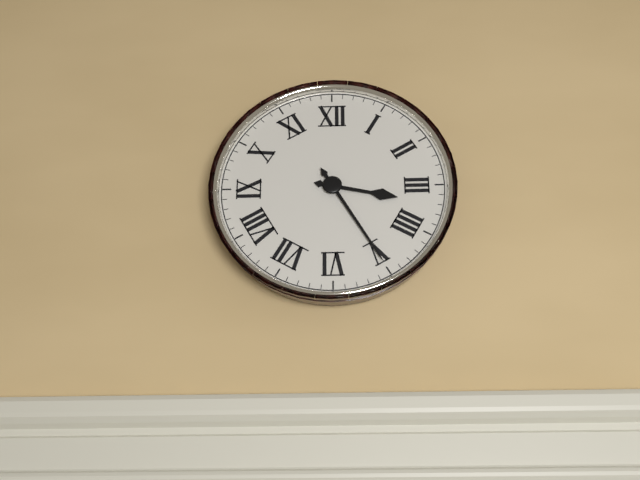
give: {"hour": 3, "minute": 25}
